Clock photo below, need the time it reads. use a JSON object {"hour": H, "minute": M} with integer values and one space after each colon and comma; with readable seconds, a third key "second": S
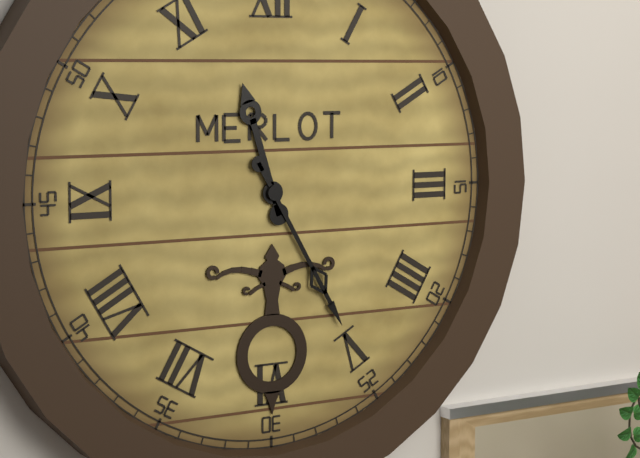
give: {"hour": 11, "minute": 25}
